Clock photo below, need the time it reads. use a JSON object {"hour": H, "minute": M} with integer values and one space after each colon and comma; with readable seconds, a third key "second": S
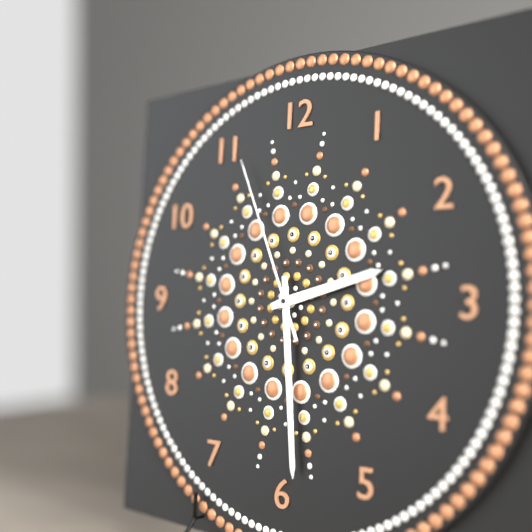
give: {"hour": 2, "minute": 29, "second": 56}
